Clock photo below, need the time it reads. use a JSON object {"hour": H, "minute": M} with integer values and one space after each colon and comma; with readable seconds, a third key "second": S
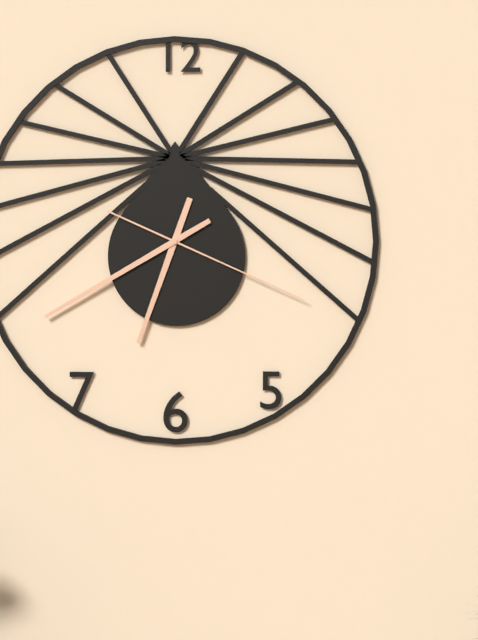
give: {"hour": 6, "minute": 40, "second": 19}
